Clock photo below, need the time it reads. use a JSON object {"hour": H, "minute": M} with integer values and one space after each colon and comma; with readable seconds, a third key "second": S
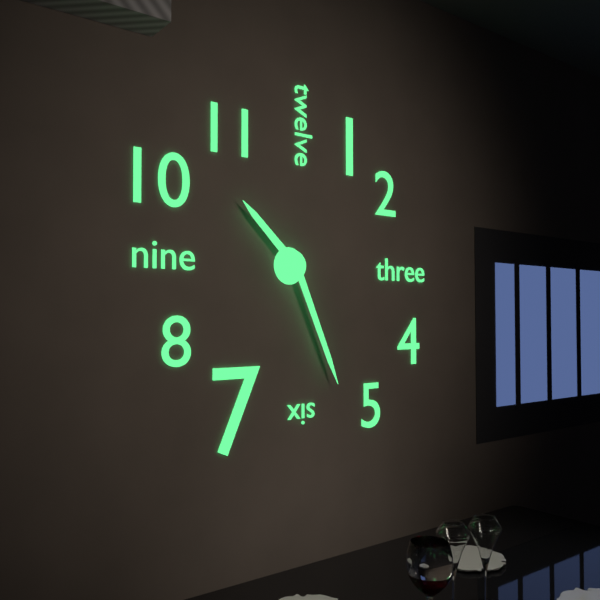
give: {"hour": 10, "minute": 26}
